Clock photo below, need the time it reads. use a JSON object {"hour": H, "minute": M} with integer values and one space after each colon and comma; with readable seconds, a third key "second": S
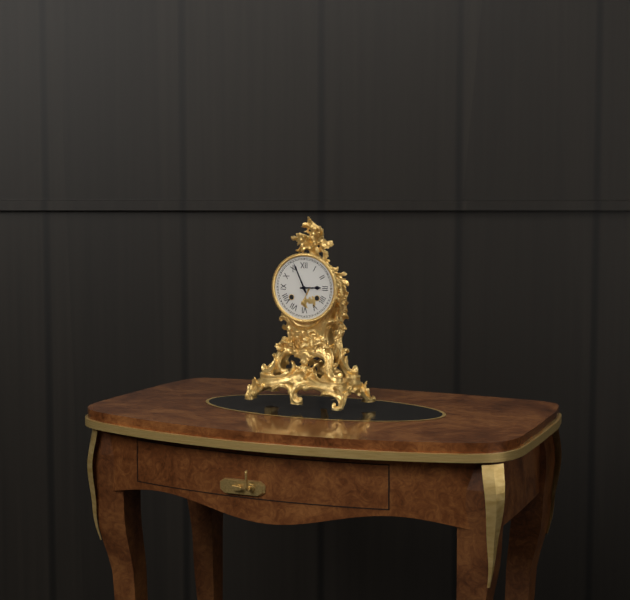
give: {"hour": 2, "minute": 56}
